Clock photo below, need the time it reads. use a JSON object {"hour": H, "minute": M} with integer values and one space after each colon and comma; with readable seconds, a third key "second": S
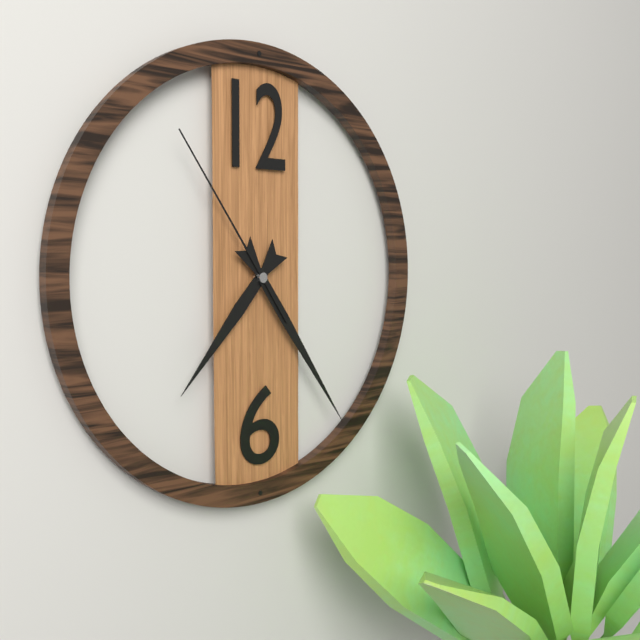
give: {"hour": 7, "minute": 24, "second": 54}
